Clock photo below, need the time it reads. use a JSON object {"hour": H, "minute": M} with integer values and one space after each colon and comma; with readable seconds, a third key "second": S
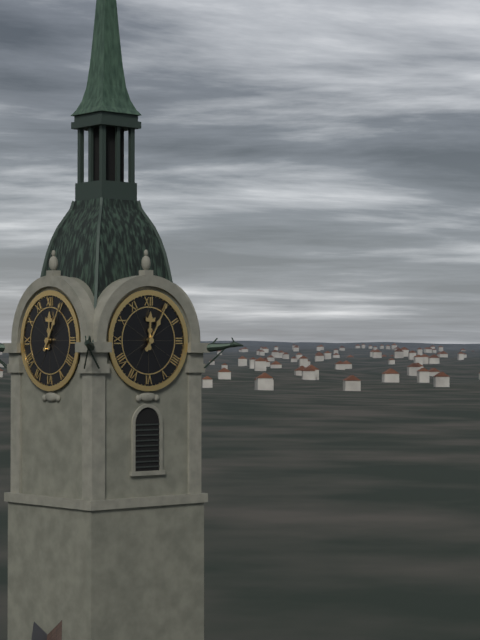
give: {"hour": 12, "minute": 5}
